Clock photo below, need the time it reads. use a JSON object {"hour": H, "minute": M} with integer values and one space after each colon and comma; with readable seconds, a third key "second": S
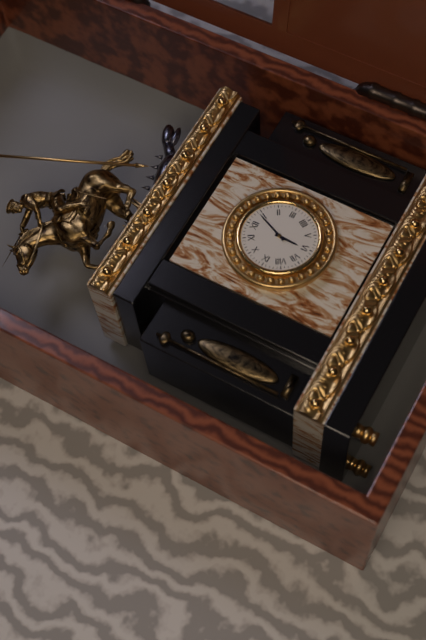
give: {"hour": 6, "minute": 4}
